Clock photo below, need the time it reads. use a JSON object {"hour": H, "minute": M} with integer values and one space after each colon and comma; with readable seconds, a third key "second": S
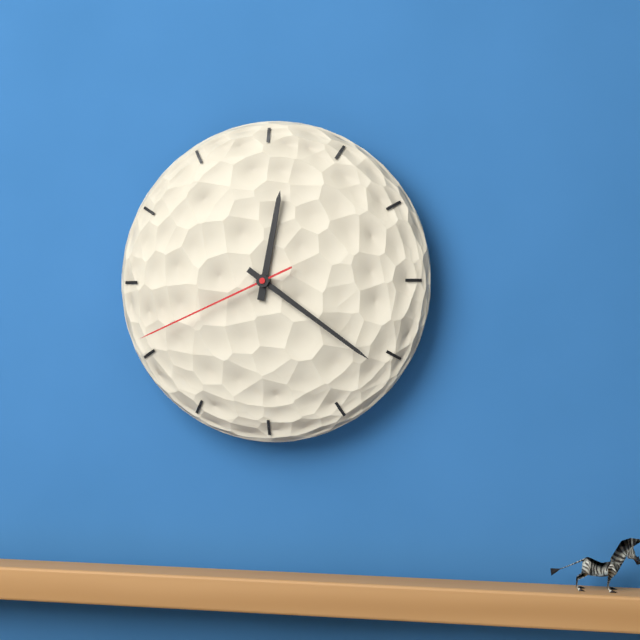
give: {"hour": 12, "minute": 21, "second": 41}
